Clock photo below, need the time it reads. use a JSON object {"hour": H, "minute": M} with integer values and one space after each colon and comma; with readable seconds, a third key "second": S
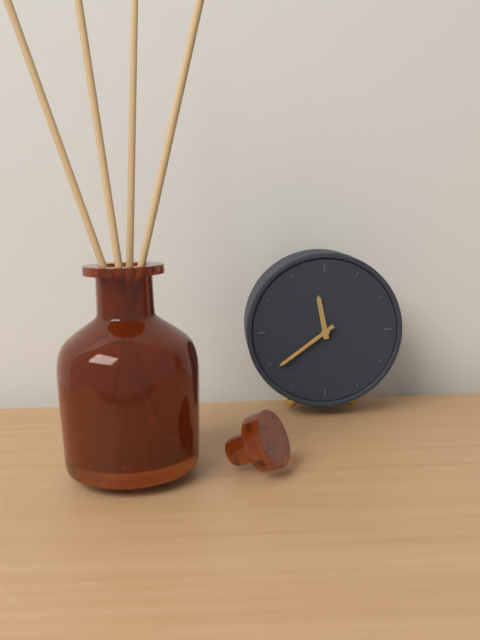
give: {"hour": 11, "minute": 39}
